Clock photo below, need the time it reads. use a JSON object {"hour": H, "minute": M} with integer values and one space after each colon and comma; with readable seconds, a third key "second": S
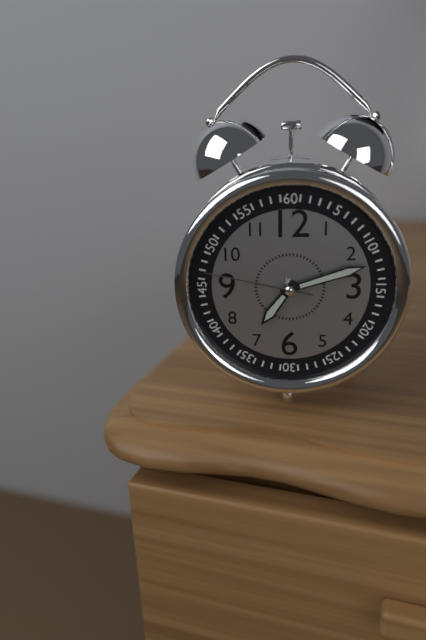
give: {"hour": 7, "minute": 12, "second": 47}
